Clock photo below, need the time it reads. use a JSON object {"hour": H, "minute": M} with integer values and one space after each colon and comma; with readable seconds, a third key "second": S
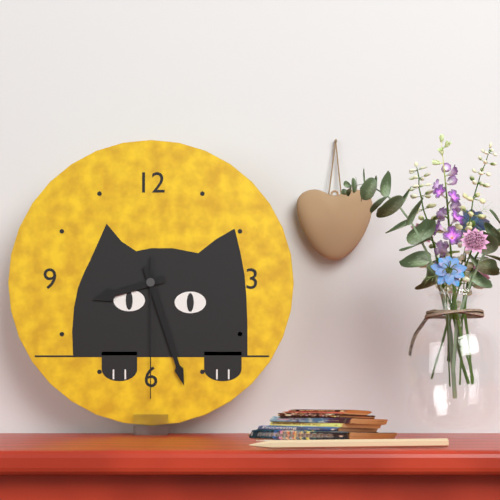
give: {"hour": 8, "minute": 27, "second": 30}
